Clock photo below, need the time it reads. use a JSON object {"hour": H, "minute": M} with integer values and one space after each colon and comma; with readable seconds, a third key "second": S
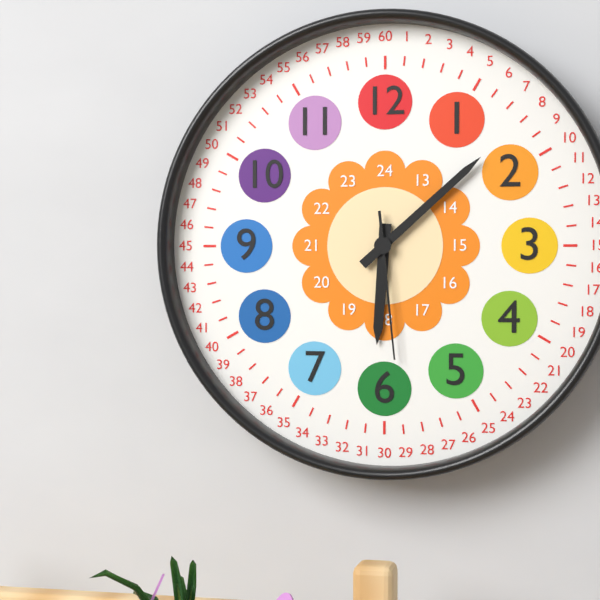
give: {"hour": 6, "minute": 8, "second": 29}
